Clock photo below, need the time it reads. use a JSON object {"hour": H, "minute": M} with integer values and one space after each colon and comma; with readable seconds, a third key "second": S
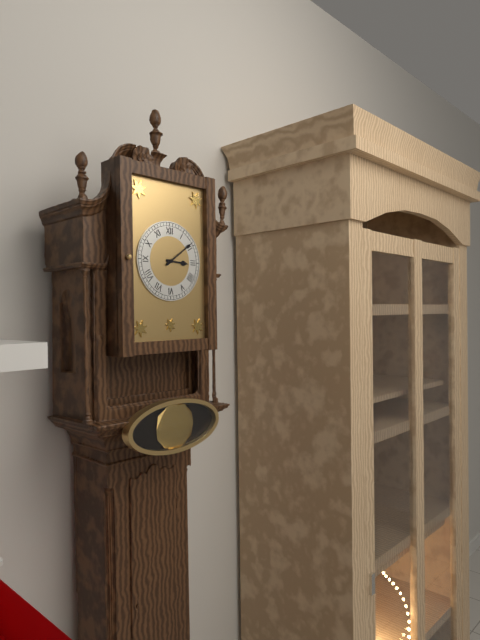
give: {"hour": 3, "minute": 9}
